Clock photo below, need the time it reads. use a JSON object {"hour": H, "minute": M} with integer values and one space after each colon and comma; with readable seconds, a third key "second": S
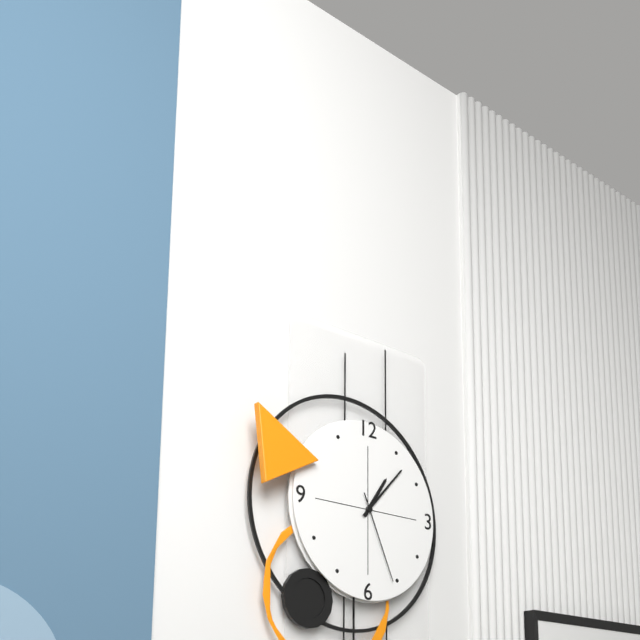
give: {"hour": 1, "minute": 7, "second": 26}
